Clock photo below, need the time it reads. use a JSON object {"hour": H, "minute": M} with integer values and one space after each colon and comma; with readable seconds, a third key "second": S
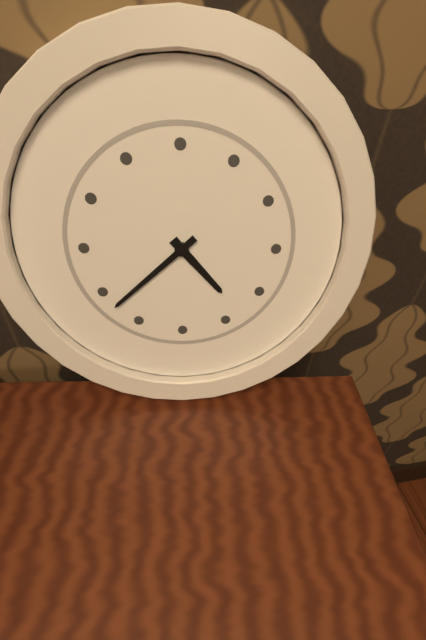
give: {"hour": 4, "minute": 38}
